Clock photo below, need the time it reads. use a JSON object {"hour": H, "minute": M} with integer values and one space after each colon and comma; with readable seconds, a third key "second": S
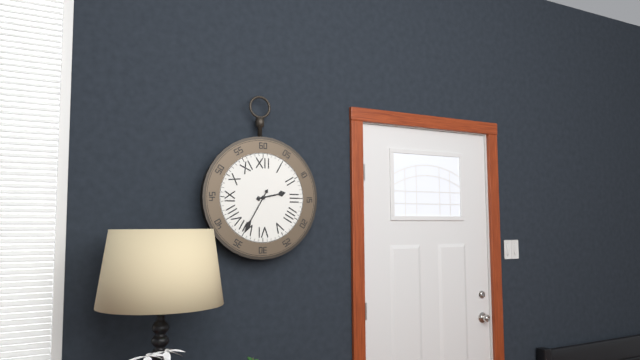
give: {"hour": 2, "minute": 35}
